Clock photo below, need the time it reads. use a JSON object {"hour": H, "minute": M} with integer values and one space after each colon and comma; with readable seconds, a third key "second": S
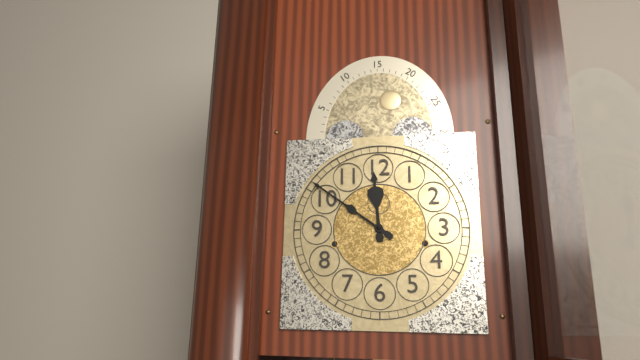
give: {"hour": 11, "minute": 51}
